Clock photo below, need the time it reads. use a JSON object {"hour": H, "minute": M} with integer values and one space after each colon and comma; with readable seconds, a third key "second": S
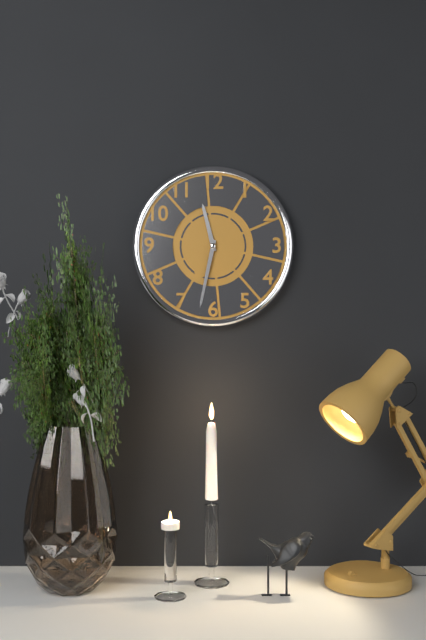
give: {"hour": 11, "minute": 32}
